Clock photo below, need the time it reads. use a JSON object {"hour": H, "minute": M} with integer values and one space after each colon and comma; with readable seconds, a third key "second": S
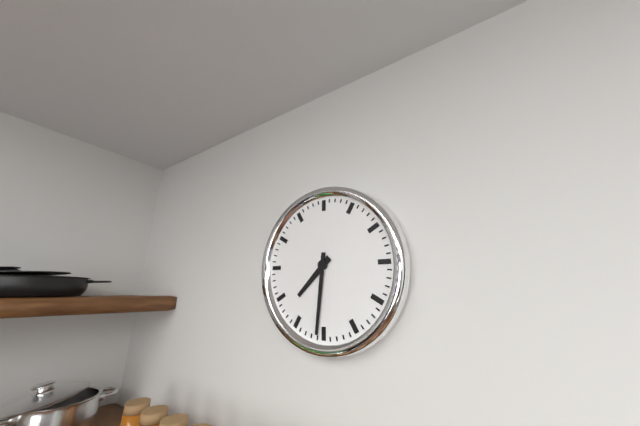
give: {"hour": 7, "minute": 31}
